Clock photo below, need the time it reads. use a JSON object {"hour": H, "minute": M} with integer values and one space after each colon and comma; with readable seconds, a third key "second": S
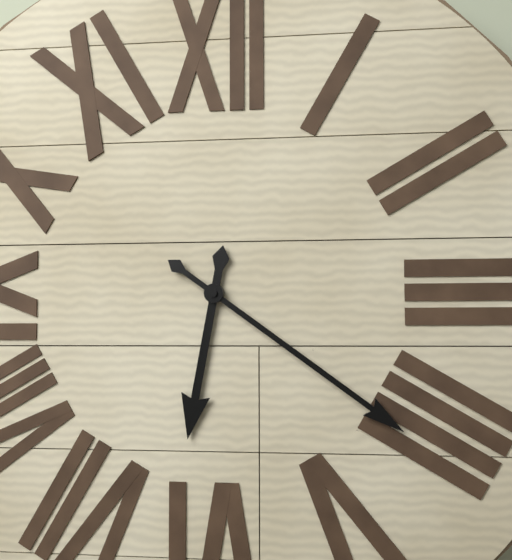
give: {"hour": 6, "minute": 21}
